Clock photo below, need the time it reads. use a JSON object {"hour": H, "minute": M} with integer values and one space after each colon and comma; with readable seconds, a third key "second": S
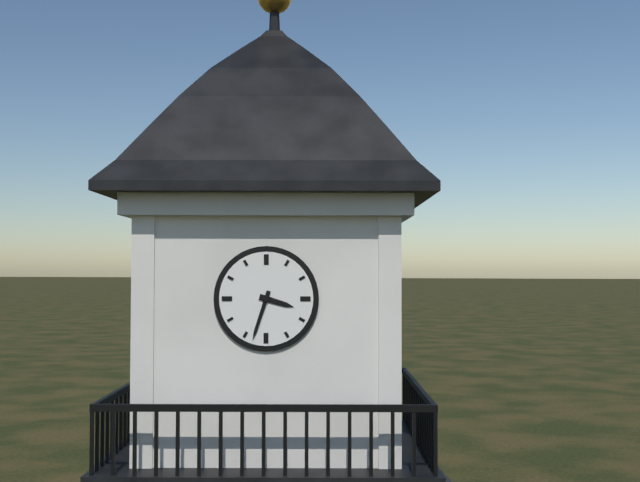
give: {"hour": 3, "minute": 33}
